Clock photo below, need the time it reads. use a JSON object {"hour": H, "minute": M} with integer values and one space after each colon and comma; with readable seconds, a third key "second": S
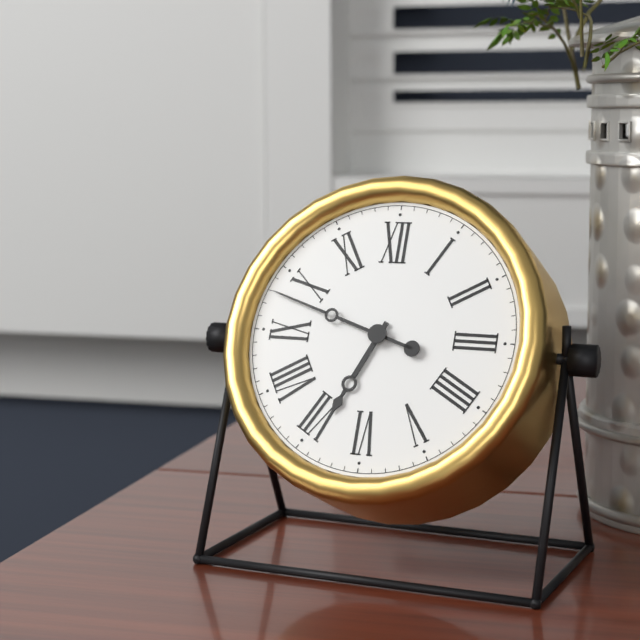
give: {"hour": 6, "minute": 48}
